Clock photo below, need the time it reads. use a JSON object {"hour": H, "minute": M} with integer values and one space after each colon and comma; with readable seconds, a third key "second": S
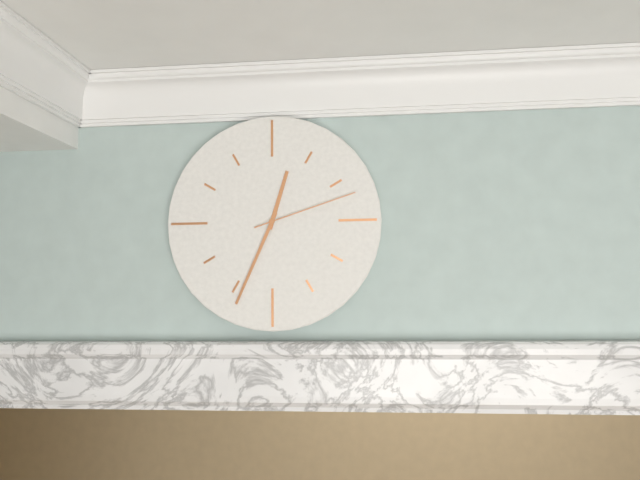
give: {"hour": 12, "minute": 34, "second": 12}
